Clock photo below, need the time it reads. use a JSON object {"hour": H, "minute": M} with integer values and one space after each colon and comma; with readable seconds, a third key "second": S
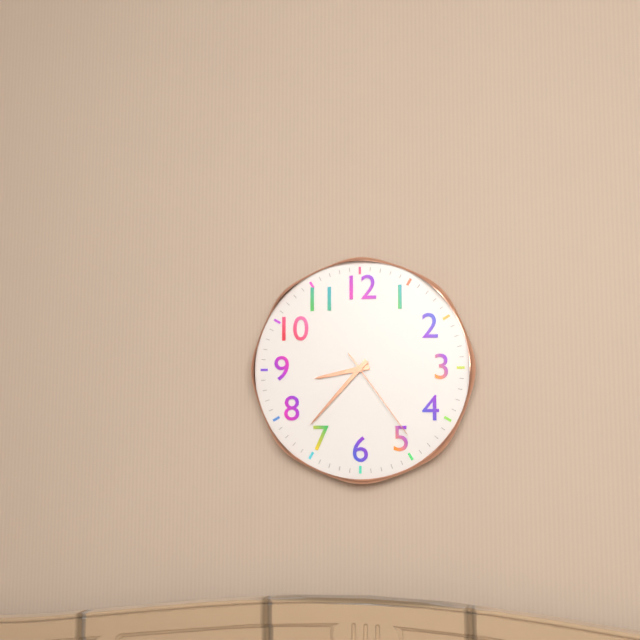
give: {"hour": 8, "minute": 37, "second": 24}
